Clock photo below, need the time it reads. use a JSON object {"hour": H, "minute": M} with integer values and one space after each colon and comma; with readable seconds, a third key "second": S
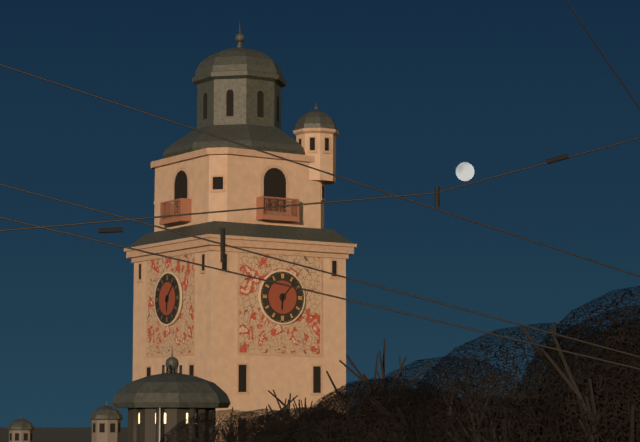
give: {"hour": 6, "minute": 7}
